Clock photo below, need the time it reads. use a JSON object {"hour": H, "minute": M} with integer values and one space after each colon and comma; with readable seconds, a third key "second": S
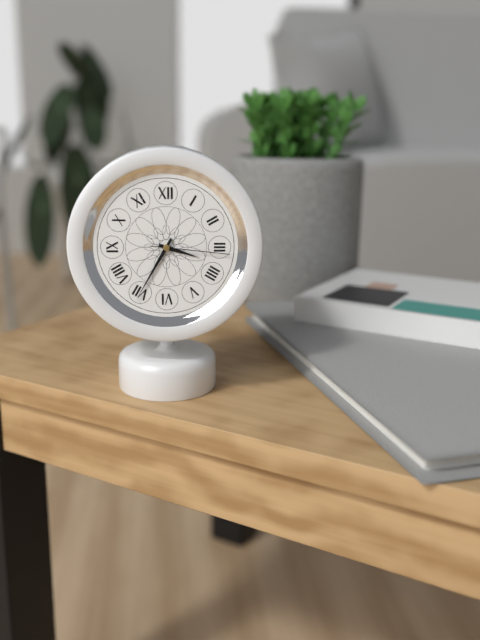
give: {"hour": 3, "minute": 35, "second": 16}
